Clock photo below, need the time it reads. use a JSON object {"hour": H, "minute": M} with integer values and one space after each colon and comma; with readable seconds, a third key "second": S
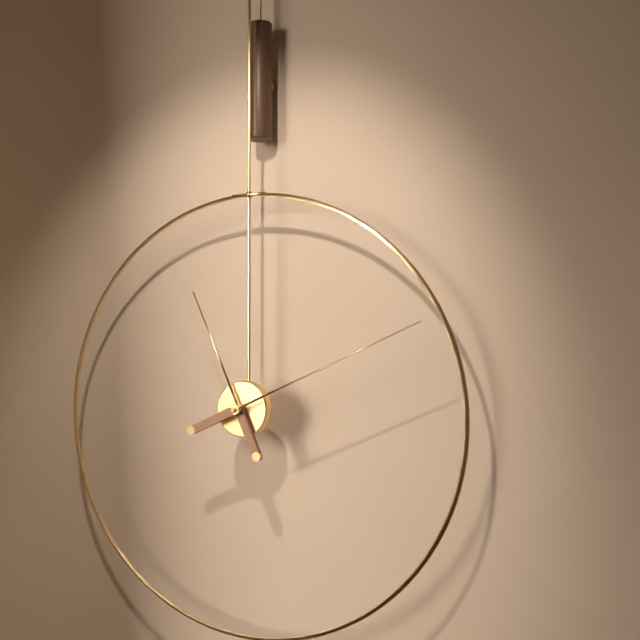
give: {"hour": 11, "minute": 11}
